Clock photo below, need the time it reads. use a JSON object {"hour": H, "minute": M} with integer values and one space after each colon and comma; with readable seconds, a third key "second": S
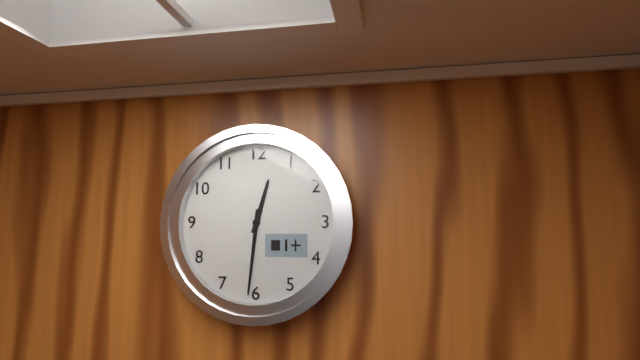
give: {"hour": 12, "minute": 31}
